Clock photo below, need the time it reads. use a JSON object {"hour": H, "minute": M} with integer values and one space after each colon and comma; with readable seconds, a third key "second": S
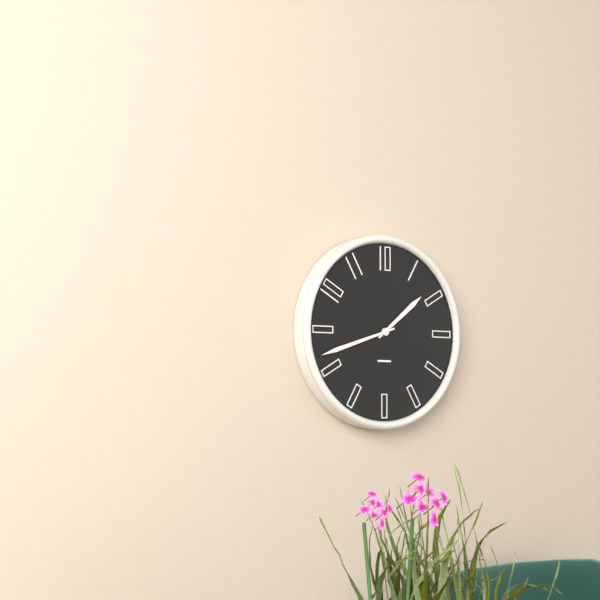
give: {"hour": 1, "minute": 42}
